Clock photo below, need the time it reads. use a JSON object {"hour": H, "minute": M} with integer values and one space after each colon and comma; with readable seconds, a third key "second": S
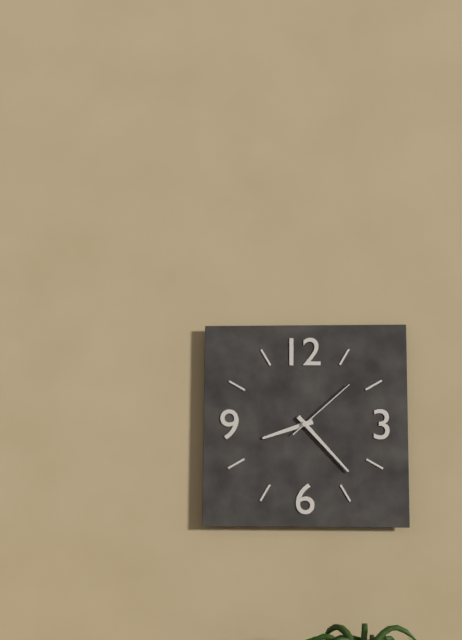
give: {"hour": 8, "minute": 23, "second": 8}
